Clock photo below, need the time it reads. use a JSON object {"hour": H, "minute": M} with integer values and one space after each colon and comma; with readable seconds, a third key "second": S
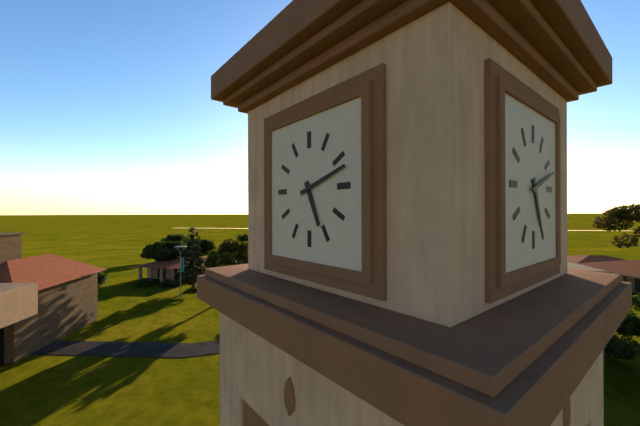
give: {"hour": 5, "minute": 12}
